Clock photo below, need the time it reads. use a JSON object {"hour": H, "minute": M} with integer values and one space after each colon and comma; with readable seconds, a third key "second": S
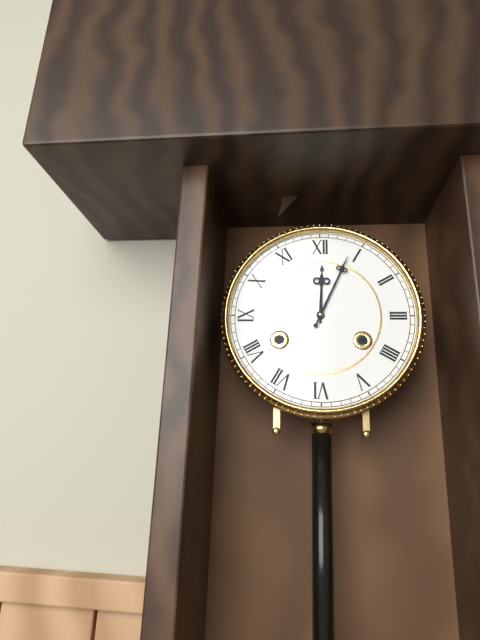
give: {"hour": 12, "minute": 4}
